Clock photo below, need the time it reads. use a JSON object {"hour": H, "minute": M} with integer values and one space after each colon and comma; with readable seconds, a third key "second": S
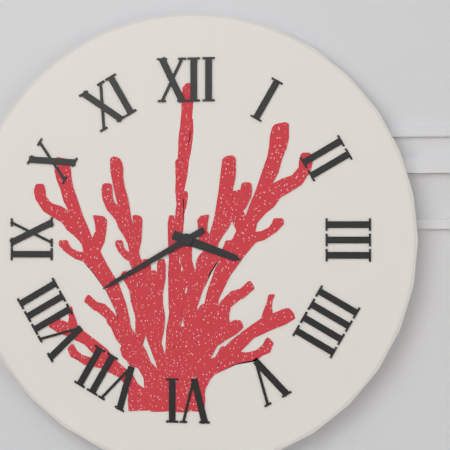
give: {"hour": 3, "minute": 40}
